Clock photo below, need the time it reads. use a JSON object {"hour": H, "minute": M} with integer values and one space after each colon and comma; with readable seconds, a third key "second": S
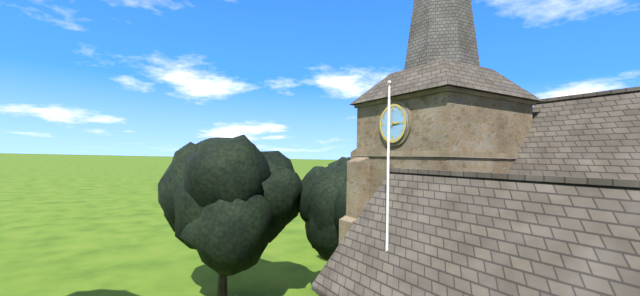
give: {"hour": 2, "minute": 59}
